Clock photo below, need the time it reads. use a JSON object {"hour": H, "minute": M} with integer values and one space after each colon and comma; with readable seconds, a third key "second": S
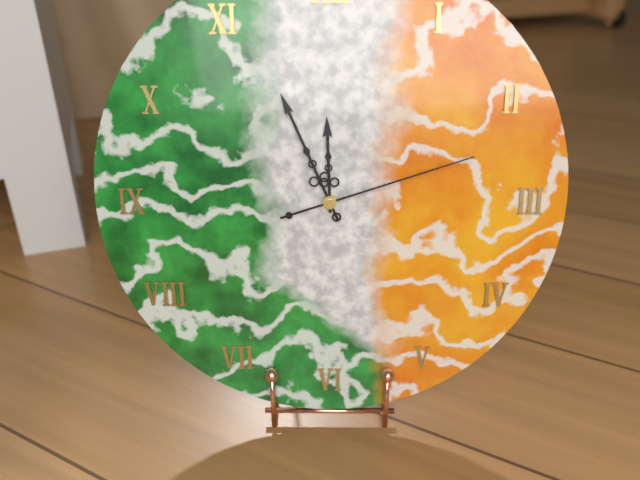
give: {"hour": 11, "minute": 56, "second": 12}
